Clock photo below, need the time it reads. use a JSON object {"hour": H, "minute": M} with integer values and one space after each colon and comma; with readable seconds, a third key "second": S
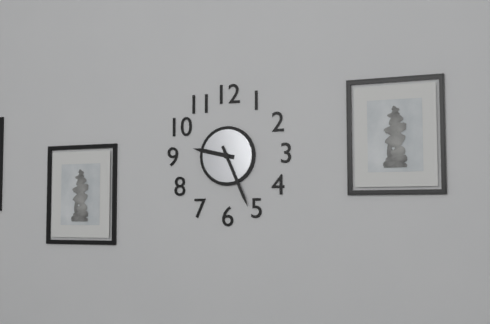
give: {"hour": 9, "minute": 26}
